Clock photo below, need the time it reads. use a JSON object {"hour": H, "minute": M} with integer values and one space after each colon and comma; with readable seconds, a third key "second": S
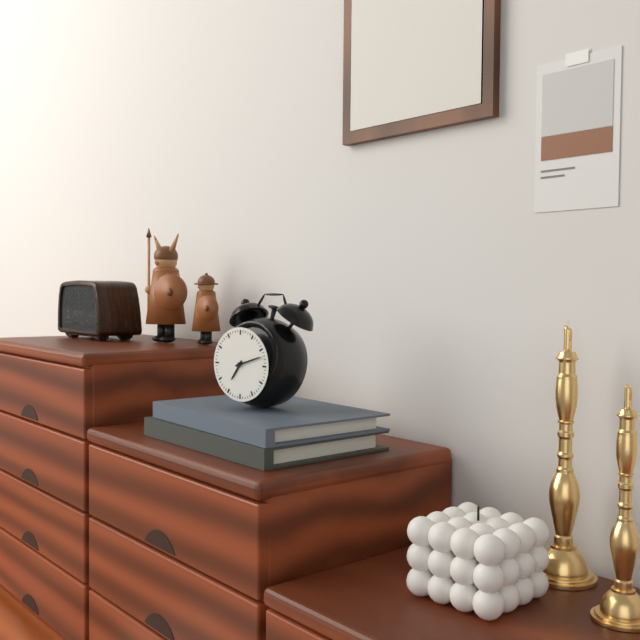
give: {"hour": 7, "minute": 12}
